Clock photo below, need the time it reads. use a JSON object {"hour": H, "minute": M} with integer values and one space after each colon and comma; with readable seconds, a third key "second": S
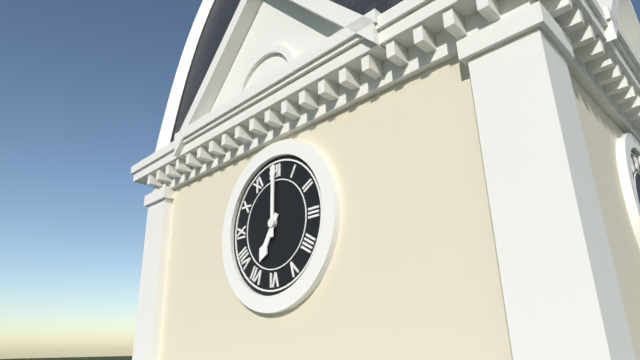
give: {"hour": 7, "minute": 0}
